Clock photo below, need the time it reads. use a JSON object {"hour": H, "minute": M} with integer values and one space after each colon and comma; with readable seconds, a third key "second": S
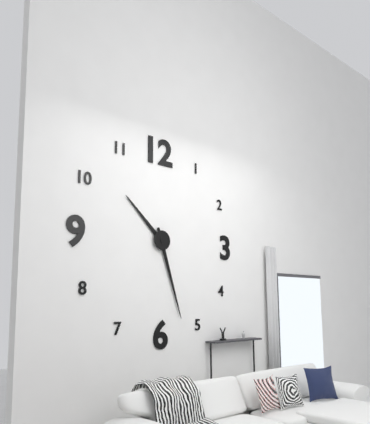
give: {"hour": 10, "minute": 27}
